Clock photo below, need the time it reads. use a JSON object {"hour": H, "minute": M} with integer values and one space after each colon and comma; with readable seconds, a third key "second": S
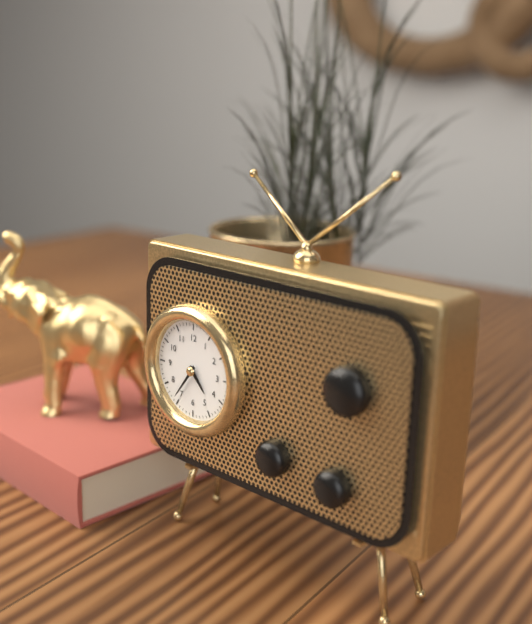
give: {"hour": 4, "minute": 36}
